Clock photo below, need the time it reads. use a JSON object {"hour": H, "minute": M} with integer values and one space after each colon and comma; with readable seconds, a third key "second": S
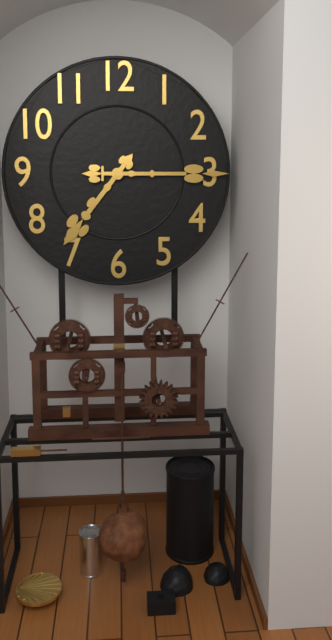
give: {"hour": 7, "minute": 15}
